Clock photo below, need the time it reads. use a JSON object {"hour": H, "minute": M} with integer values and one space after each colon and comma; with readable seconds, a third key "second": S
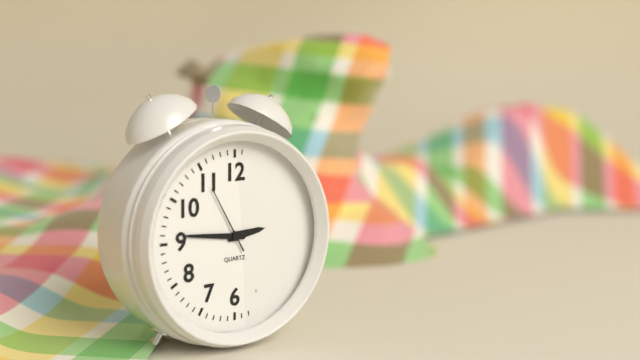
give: {"hour": 2, "minute": 46, "second": 55}
